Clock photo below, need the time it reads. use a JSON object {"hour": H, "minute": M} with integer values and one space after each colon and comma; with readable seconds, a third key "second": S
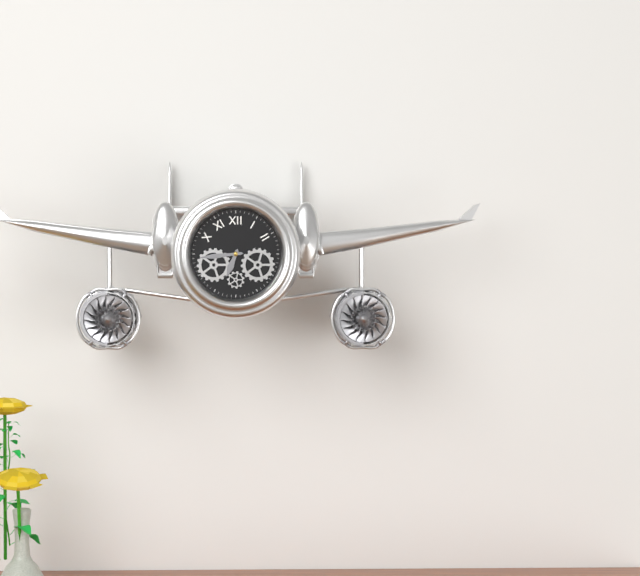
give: {"hour": 6, "minute": 44}
